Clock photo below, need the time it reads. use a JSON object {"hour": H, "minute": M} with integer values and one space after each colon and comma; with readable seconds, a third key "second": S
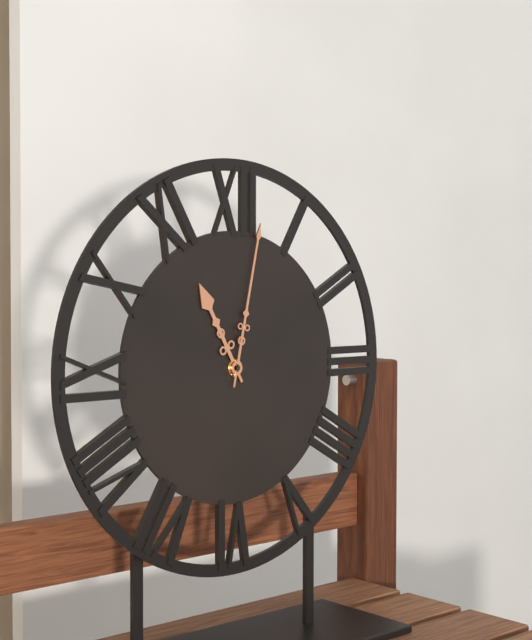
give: {"hour": 11, "minute": 2}
